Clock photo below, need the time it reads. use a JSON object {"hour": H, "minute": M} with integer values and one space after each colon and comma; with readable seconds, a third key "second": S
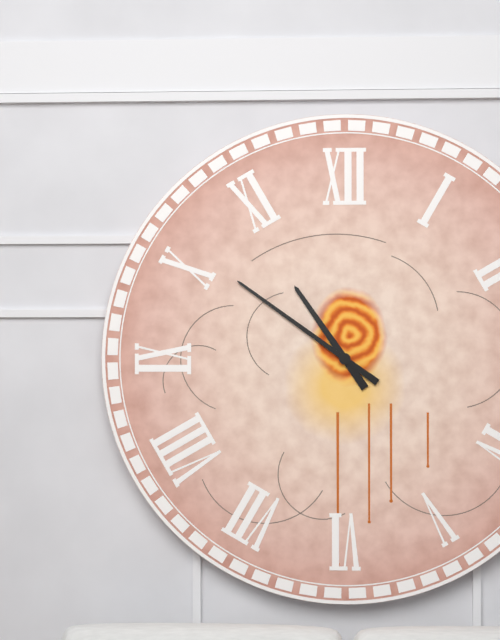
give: {"hour": 10, "minute": 51}
